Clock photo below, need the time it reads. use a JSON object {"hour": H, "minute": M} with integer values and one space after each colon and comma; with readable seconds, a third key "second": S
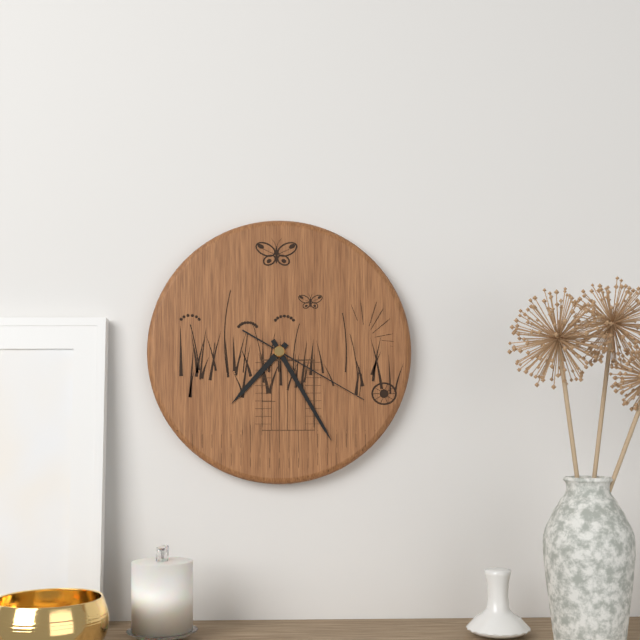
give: {"hour": 7, "minute": 25, "second": 20}
